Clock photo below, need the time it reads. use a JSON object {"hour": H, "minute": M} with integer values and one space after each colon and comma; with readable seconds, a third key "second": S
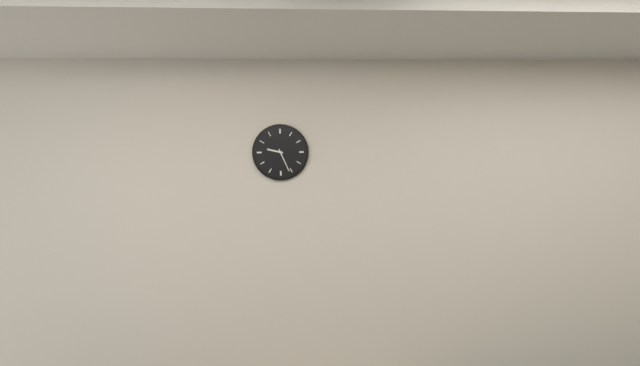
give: {"hour": 9, "minute": 26}
